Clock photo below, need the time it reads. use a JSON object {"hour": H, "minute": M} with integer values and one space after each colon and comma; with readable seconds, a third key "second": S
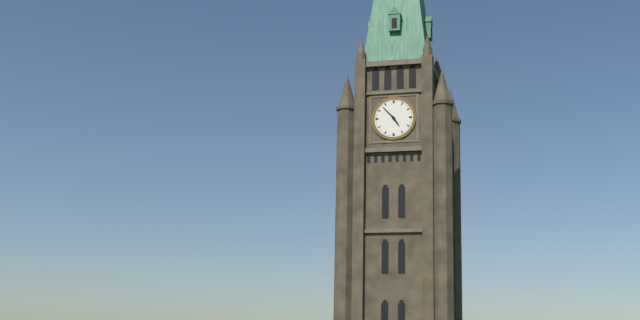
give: {"hour": 4, "minute": 53}
